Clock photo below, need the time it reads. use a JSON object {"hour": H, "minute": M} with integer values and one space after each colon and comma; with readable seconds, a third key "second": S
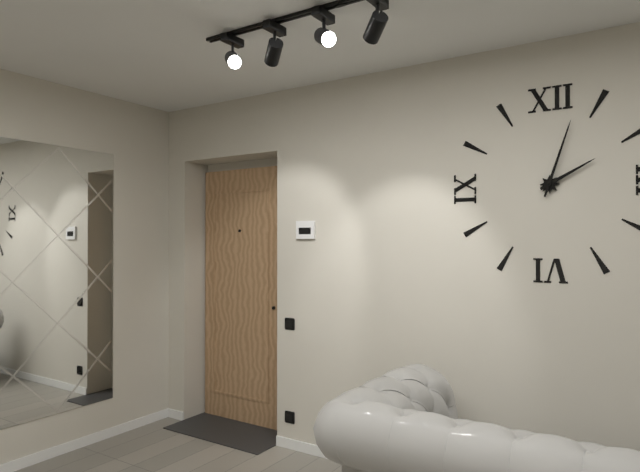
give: {"hour": 2, "minute": 3}
